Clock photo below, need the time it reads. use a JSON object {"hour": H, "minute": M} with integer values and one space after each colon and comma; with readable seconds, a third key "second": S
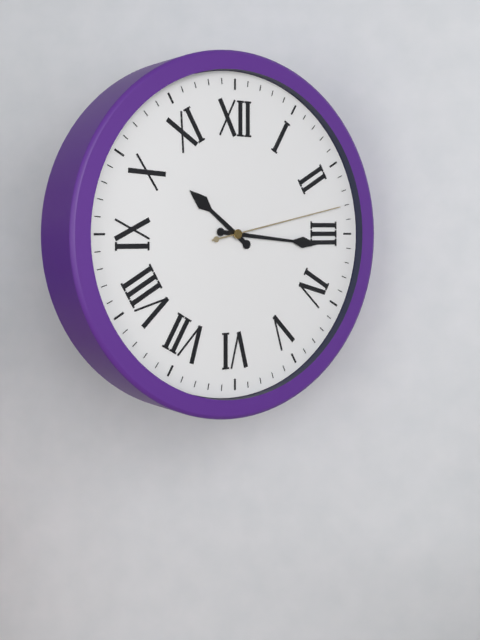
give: {"hour": 10, "minute": 16, "second": 13}
